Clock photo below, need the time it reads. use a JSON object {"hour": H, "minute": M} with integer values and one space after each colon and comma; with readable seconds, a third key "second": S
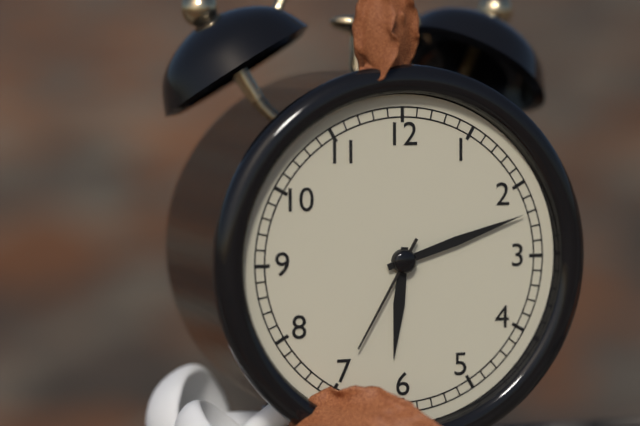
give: {"hour": 6, "minute": 12, "second": 35}
